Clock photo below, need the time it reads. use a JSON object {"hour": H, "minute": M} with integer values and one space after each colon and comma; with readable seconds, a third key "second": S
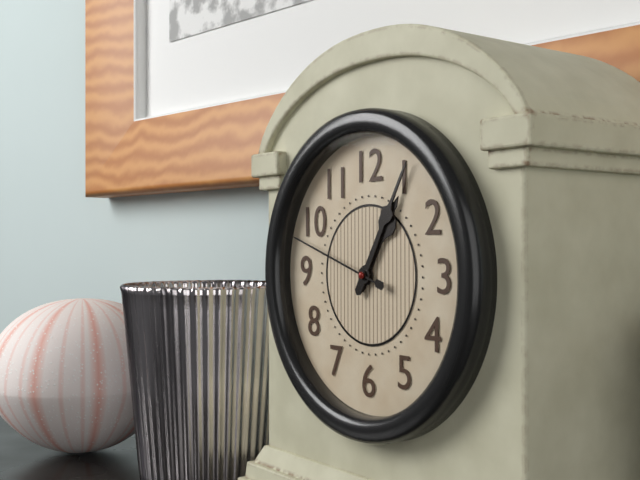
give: {"hour": 1, "minute": 5, "second": 48}
